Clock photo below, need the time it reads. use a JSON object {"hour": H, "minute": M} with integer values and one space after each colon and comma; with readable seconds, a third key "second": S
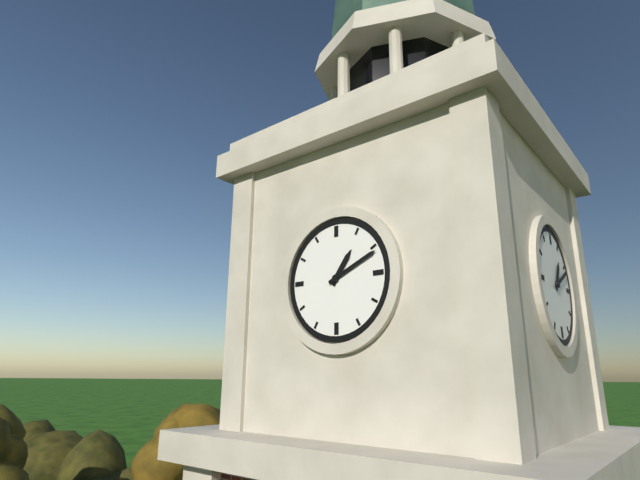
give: {"hour": 1, "minute": 11}
